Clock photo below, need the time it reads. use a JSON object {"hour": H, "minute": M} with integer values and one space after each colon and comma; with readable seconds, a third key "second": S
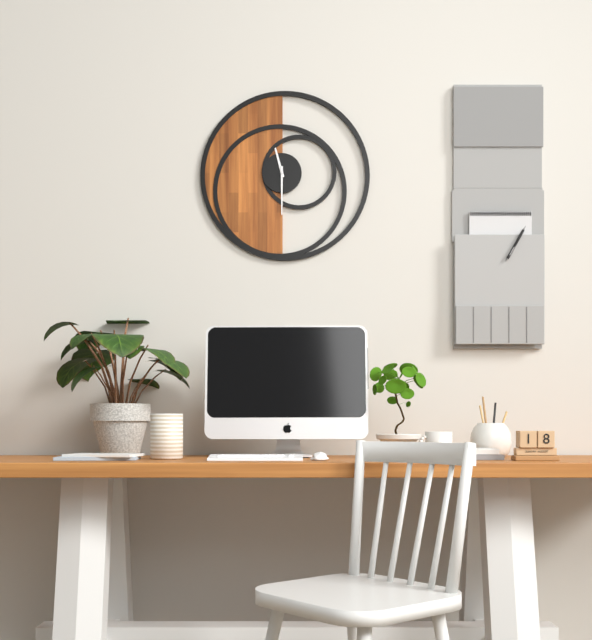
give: {"hour": 11, "minute": 30}
